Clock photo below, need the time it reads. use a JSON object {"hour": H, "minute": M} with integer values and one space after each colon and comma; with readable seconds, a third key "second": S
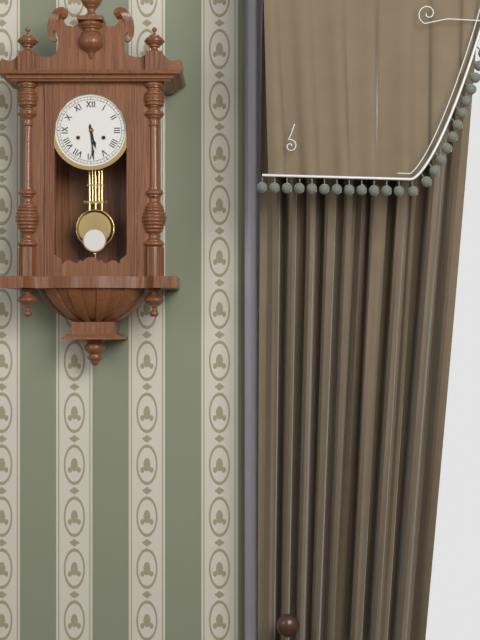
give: {"hour": 5, "minute": 29}
